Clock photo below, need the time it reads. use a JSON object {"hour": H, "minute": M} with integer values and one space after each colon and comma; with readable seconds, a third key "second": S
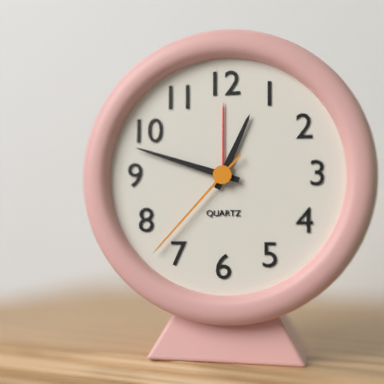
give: {"hour": 12, "minute": 48, "second": 37}
